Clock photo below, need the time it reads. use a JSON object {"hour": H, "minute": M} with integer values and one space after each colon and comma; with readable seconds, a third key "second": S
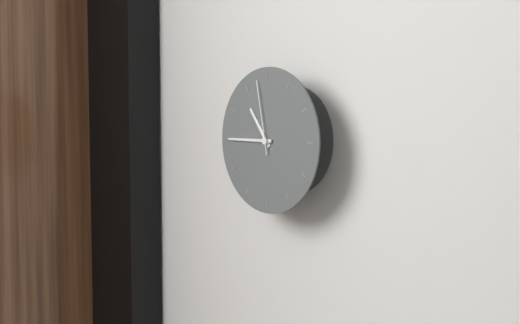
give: {"hour": 10, "minute": 45, "second": 58}
